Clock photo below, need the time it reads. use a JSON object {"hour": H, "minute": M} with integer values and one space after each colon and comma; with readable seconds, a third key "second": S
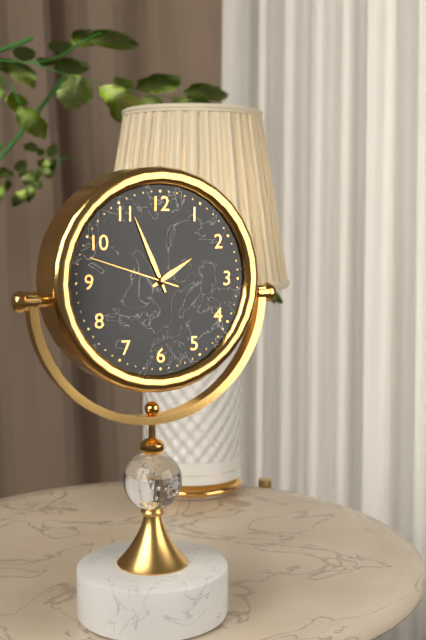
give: {"hour": 1, "minute": 56, "second": 48}
